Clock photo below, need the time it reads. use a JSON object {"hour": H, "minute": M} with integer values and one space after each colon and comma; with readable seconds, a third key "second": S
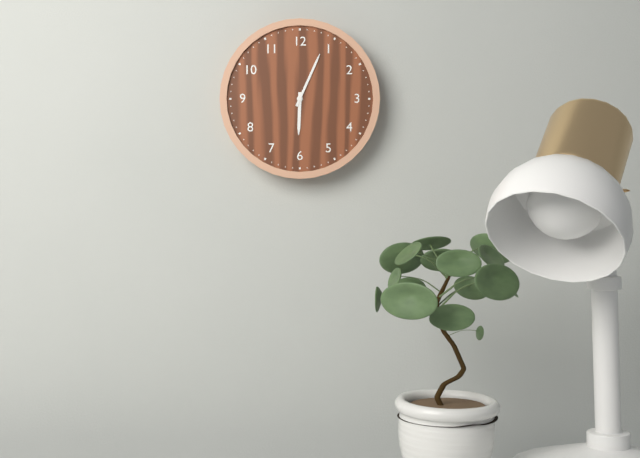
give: {"hour": 6, "minute": 4}
